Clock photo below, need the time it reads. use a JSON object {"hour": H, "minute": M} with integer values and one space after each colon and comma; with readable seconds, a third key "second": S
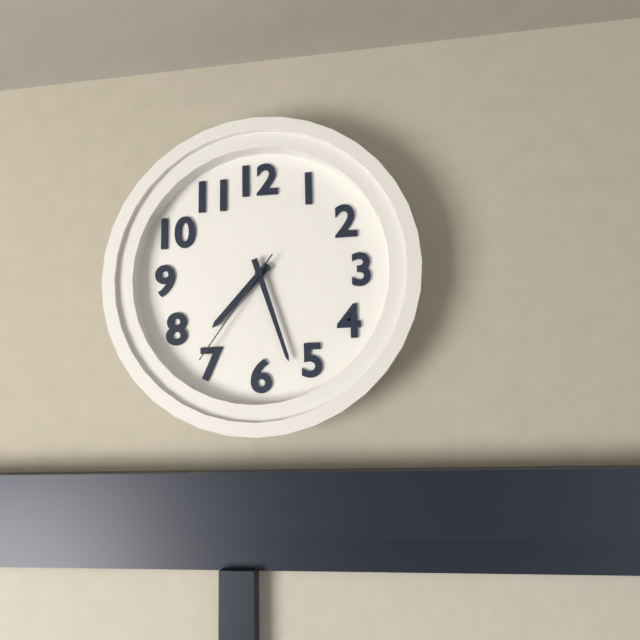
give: {"hour": 7, "minute": 27, "second": 36}
